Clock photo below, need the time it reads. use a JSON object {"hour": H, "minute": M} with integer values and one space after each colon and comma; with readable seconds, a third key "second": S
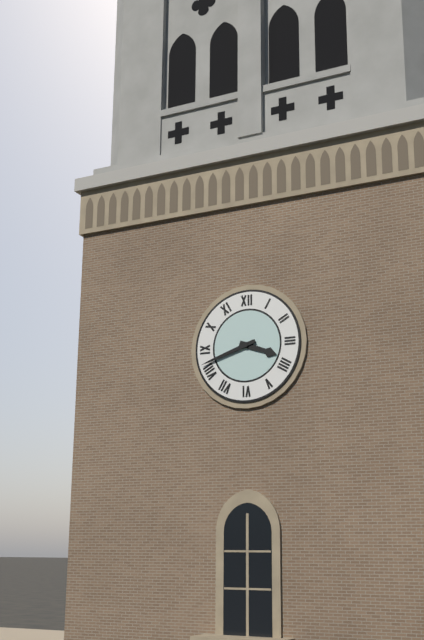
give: {"hour": 3, "minute": 42}
